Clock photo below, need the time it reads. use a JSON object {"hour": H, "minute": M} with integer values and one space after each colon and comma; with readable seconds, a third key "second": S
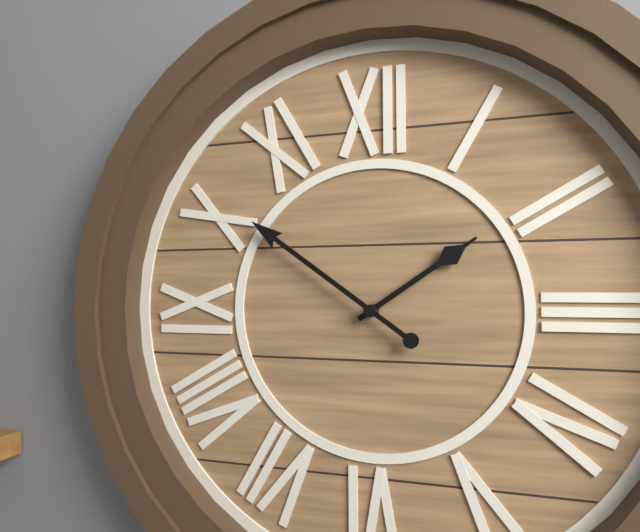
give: {"hour": 1, "minute": 51}
